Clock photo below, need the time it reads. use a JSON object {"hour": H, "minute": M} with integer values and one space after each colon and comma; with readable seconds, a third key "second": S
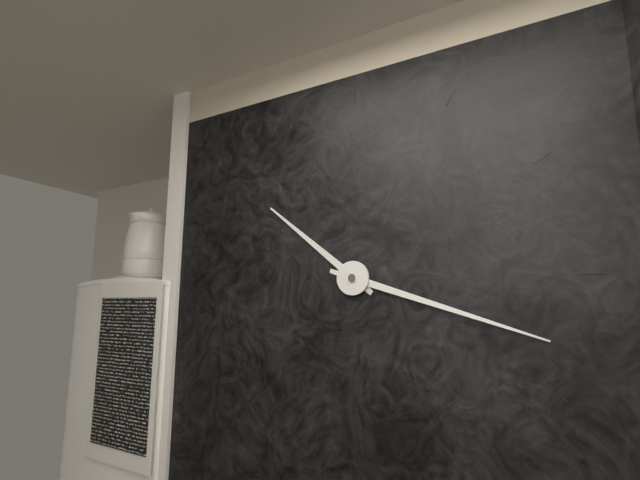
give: {"hour": 10, "minute": 18}
